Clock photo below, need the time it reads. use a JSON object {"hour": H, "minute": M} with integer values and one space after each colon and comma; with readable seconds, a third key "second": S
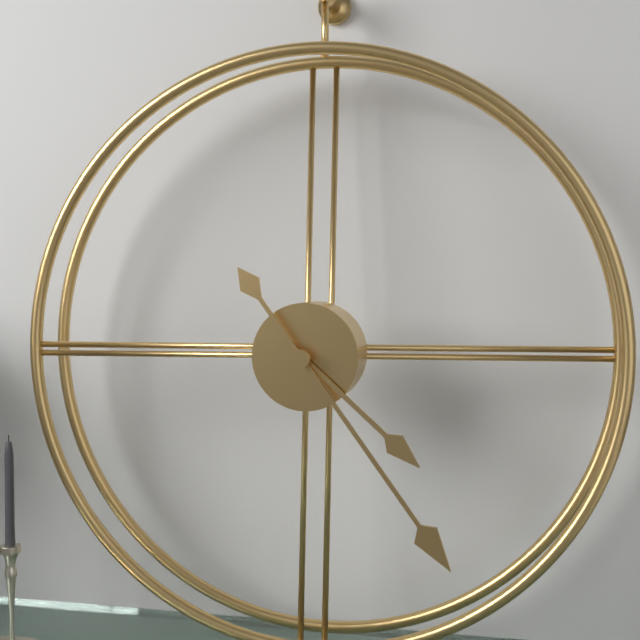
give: {"hour": 4, "minute": 24}
